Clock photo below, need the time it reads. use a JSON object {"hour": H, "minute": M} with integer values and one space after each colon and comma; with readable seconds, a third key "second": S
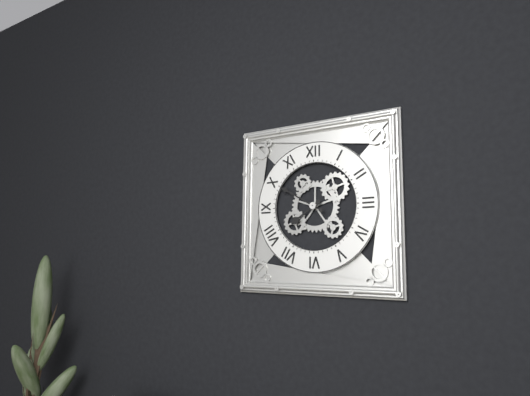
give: {"hour": 7, "minute": 50}
